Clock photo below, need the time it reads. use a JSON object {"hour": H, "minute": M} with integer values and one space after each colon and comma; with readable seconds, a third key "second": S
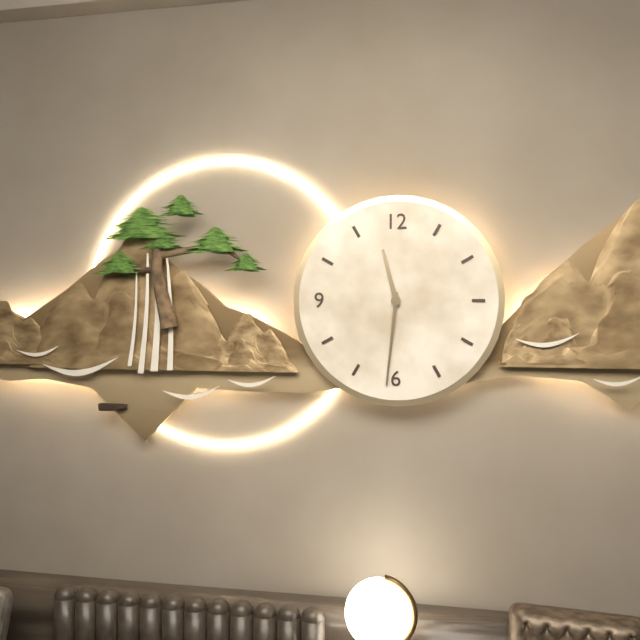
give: {"hour": 11, "minute": 31}
